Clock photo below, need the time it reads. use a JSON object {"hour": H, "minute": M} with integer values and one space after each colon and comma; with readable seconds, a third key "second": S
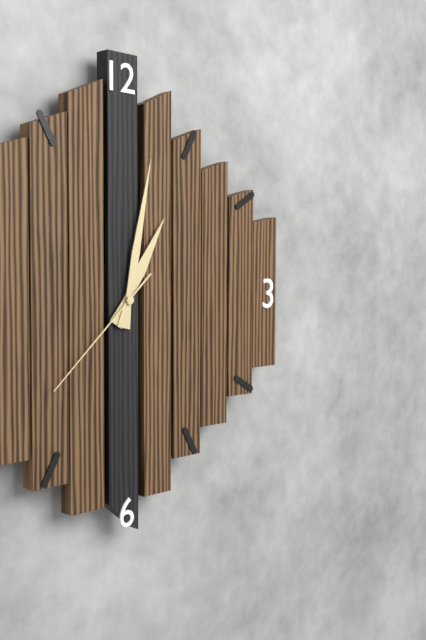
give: {"hour": 1, "minute": 2, "second": 38}
